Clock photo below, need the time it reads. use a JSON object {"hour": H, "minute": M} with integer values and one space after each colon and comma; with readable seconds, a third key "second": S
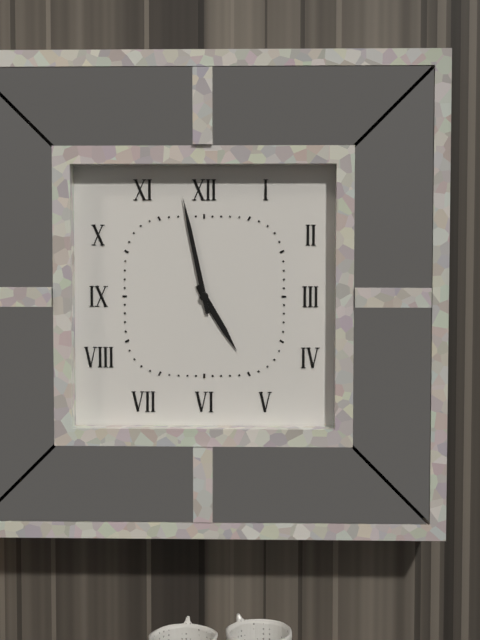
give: {"hour": 4, "minute": 58}
